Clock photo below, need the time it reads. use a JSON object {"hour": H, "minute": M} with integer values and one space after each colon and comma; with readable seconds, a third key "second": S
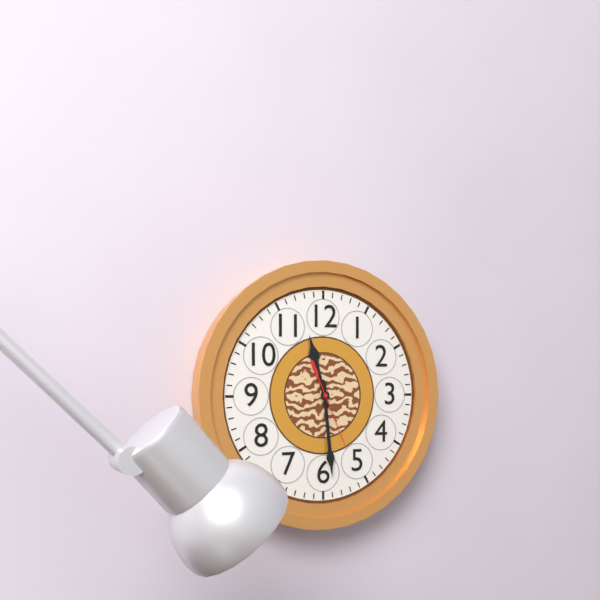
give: {"hour": 11, "minute": 29, "second": 26}
